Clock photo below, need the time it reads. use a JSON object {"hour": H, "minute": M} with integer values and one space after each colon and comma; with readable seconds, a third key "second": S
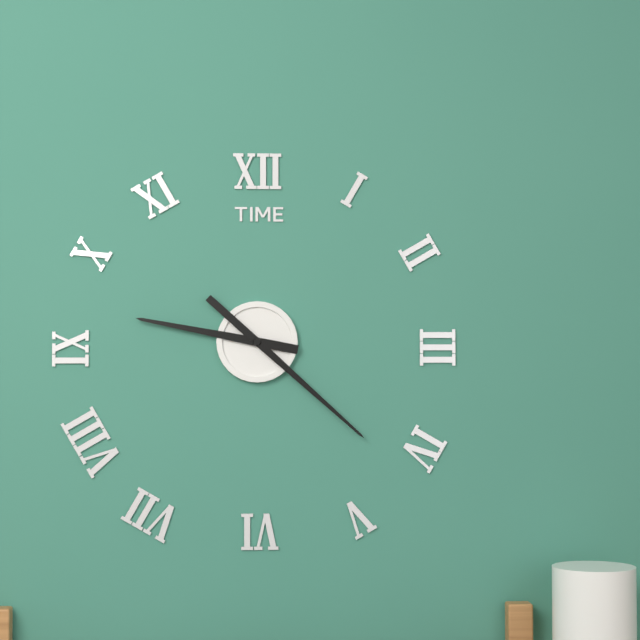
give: {"hour": 9, "minute": 22}
